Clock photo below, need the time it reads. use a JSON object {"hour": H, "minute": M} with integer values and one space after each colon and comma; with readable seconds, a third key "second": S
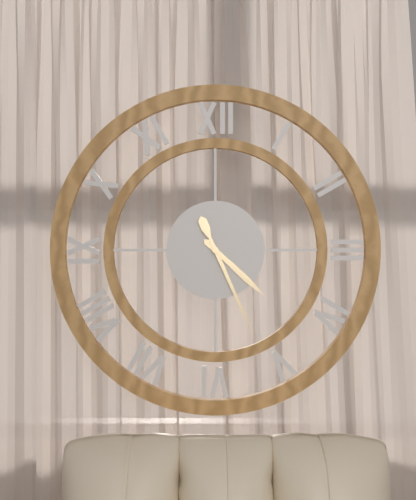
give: {"hour": 4, "minute": 26}
